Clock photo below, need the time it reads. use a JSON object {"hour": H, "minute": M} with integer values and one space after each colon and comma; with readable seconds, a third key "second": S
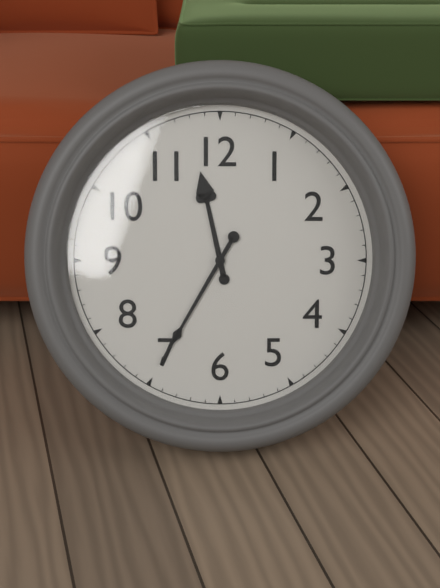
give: {"hour": 11, "minute": 35}
